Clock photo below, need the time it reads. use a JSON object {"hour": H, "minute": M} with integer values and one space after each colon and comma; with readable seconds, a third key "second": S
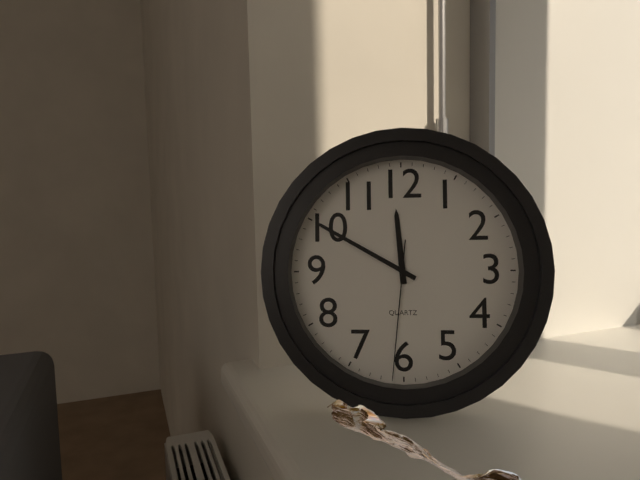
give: {"hour": 11, "minute": 50, "second": 31}
